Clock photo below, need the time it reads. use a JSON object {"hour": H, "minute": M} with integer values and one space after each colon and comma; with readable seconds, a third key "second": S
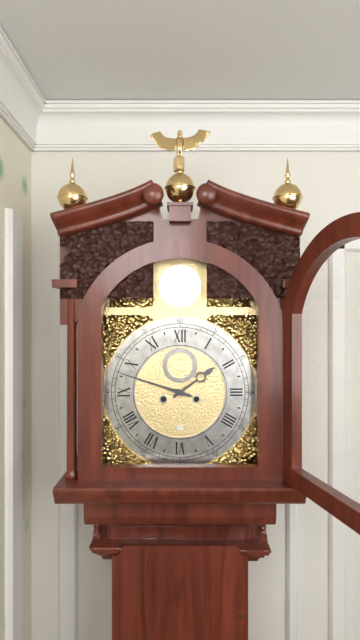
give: {"hour": 1, "minute": 48}
